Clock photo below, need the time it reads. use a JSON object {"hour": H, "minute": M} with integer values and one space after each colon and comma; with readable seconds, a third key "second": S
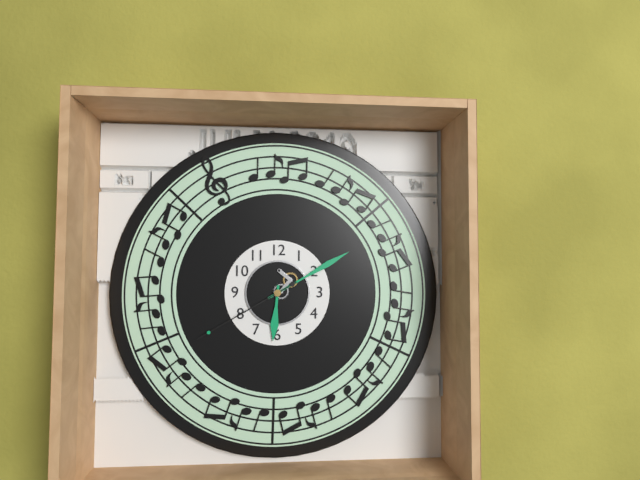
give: {"hour": 6, "minute": 10, "second": 40}
